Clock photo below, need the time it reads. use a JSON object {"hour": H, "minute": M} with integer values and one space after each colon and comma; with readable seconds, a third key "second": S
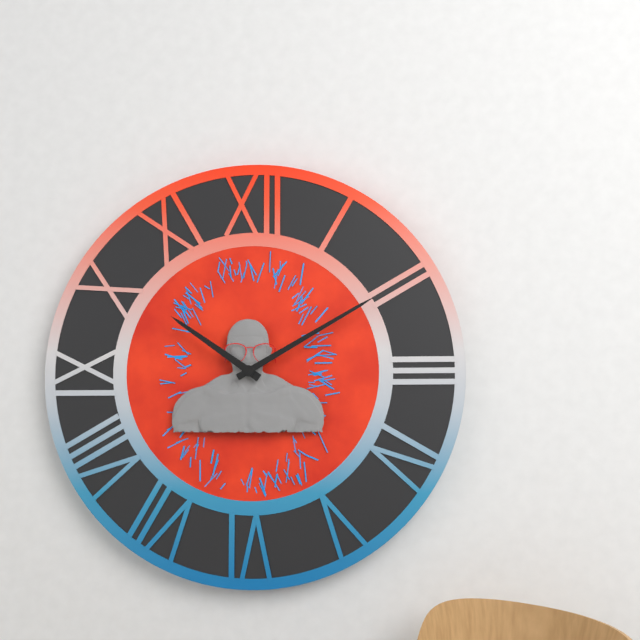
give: {"hour": 10, "minute": 10}
